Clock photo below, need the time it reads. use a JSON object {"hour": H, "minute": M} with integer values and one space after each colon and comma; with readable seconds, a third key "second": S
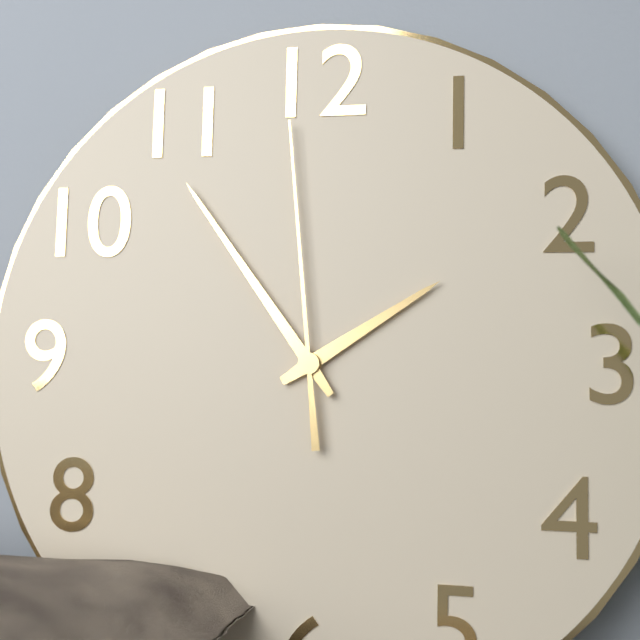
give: {"hour": 1, "minute": 54, "second": 59}
